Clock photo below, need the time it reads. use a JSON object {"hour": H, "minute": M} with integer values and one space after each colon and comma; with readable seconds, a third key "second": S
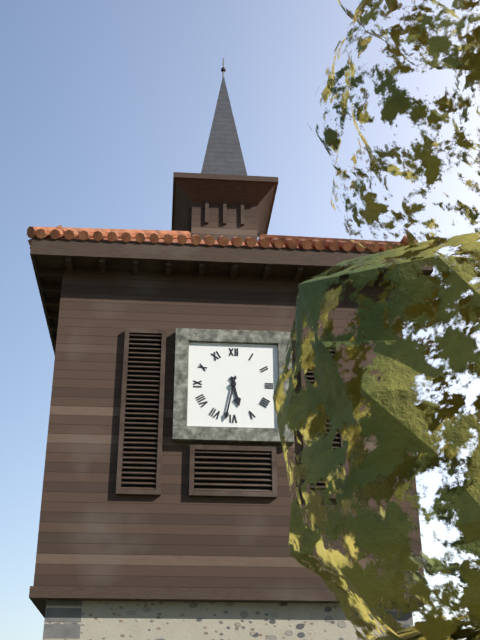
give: {"hour": 5, "minute": 32}
